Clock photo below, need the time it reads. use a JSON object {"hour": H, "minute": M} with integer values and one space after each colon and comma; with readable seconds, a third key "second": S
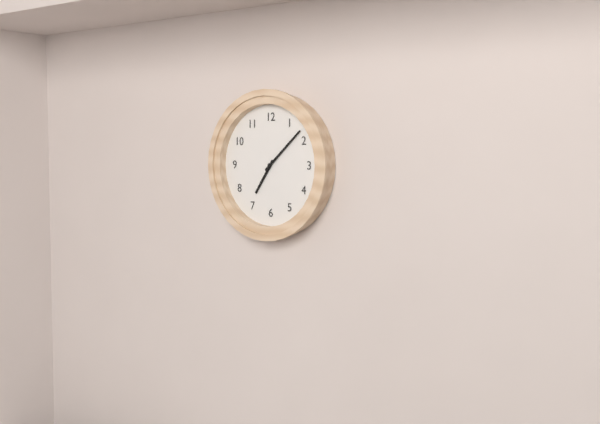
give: {"hour": 7, "minute": 8}
